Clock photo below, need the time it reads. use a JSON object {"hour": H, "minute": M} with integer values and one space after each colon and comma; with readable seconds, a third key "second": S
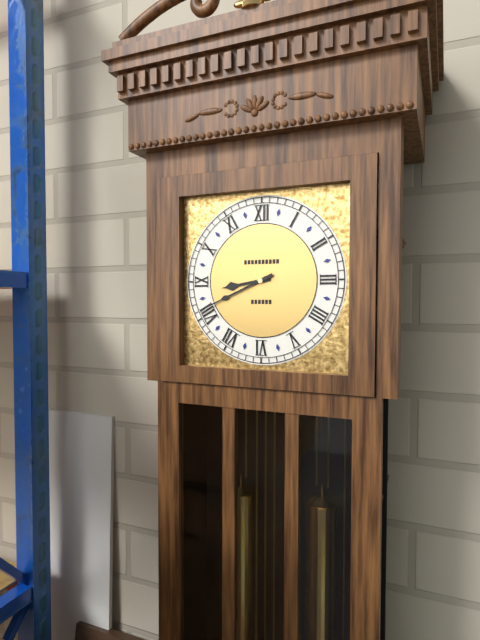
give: {"hour": 8, "minute": 41}
